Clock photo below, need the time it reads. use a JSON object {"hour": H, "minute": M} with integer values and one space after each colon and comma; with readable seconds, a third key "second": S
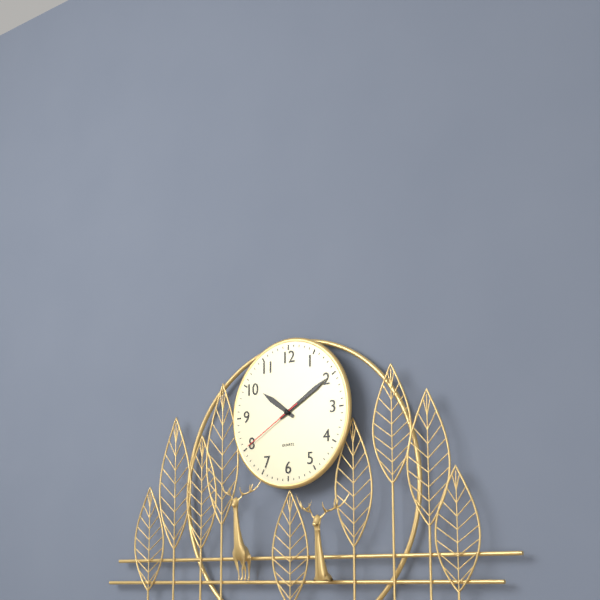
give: {"hour": 10, "minute": 10, "second": 40}
